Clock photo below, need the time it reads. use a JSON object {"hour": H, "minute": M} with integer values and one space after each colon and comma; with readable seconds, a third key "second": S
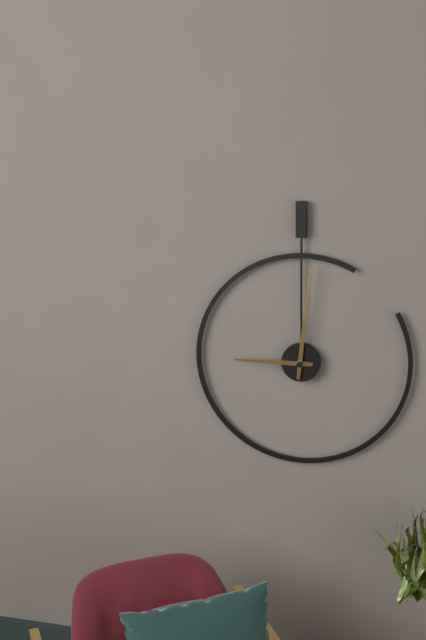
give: {"hour": 9, "minute": 1}
